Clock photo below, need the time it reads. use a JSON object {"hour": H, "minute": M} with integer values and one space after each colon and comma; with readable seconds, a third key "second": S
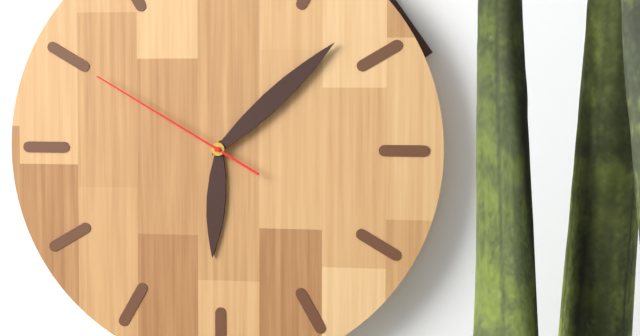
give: {"hour": 6, "minute": 8, "second": 50}
